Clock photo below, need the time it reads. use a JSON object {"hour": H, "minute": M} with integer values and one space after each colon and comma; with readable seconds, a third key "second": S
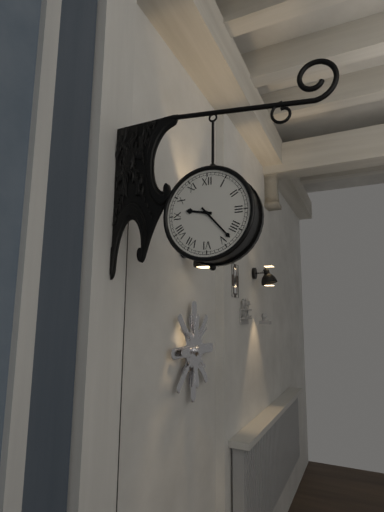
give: {"hour": 9, "minute": 23}
